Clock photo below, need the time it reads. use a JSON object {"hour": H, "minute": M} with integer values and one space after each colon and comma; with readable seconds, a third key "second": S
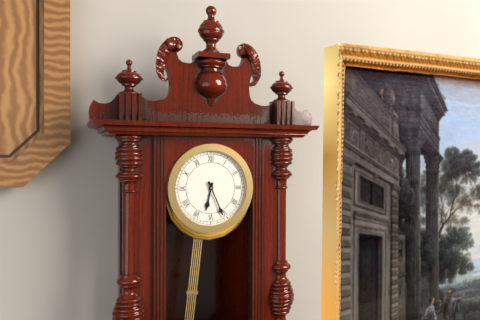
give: {"hour": 6, "minute": 26}
